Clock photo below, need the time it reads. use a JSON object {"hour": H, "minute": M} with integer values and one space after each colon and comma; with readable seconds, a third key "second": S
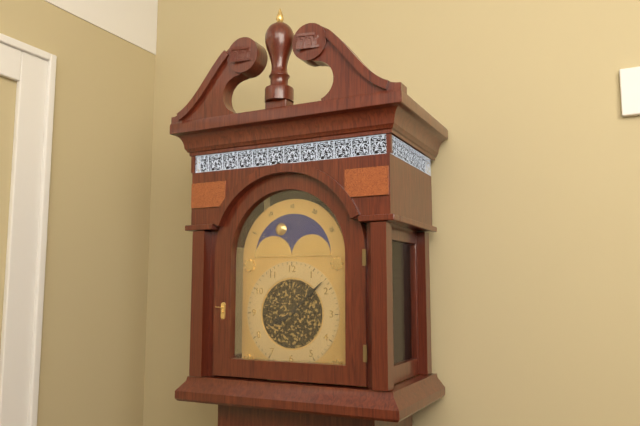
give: {"hour": 8, "minute": 8}
